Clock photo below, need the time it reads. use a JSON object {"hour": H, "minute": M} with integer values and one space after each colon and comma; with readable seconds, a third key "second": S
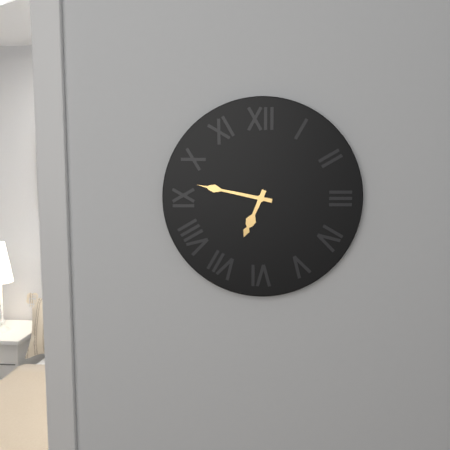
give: {"hour": 6, "minute": 47}
